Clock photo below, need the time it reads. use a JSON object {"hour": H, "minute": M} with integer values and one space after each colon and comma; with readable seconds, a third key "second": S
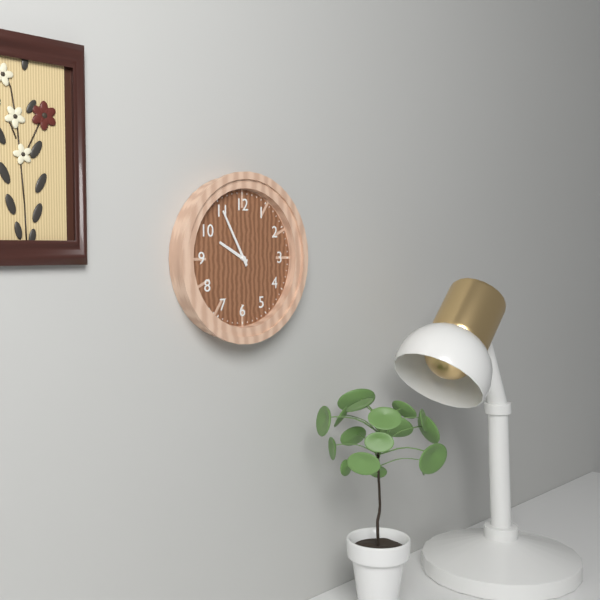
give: {"hour": 9, "minute": 55}
